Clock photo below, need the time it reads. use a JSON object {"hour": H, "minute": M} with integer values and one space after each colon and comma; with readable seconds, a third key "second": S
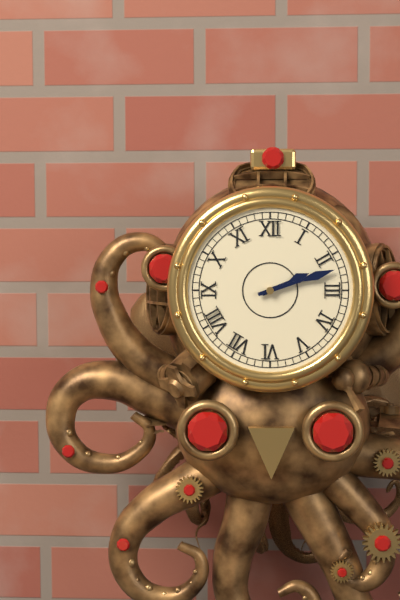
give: {"hour": 2, "minute": 12}
